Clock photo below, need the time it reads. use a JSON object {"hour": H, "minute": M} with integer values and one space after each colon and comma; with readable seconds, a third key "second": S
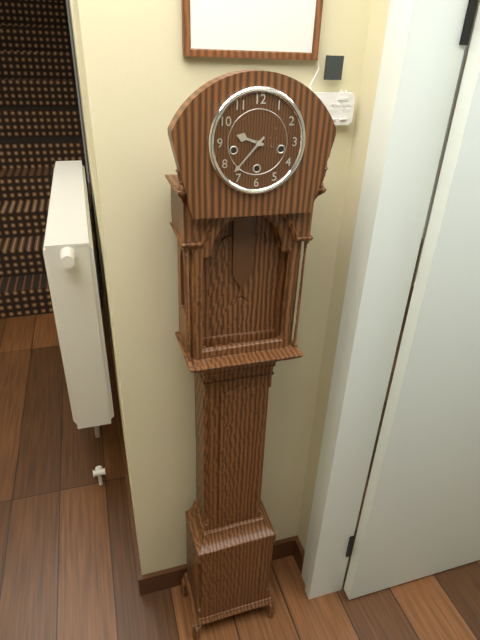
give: {"hour": 9, "minute": 37}
